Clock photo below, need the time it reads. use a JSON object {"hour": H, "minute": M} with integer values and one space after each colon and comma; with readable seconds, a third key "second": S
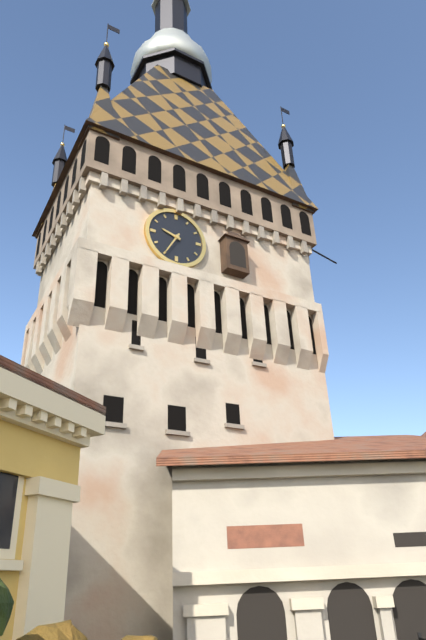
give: {"hour": 9, "minute": 35}
